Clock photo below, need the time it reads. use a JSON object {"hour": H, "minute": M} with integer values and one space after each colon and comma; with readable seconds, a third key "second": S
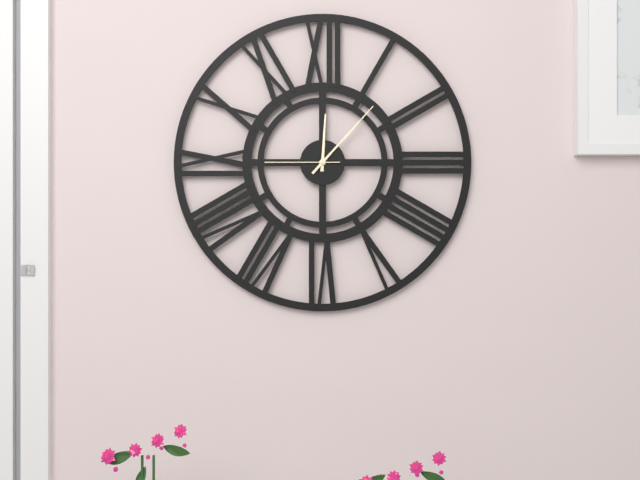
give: {"hour": 12, "minute": 7, "second": 45}
